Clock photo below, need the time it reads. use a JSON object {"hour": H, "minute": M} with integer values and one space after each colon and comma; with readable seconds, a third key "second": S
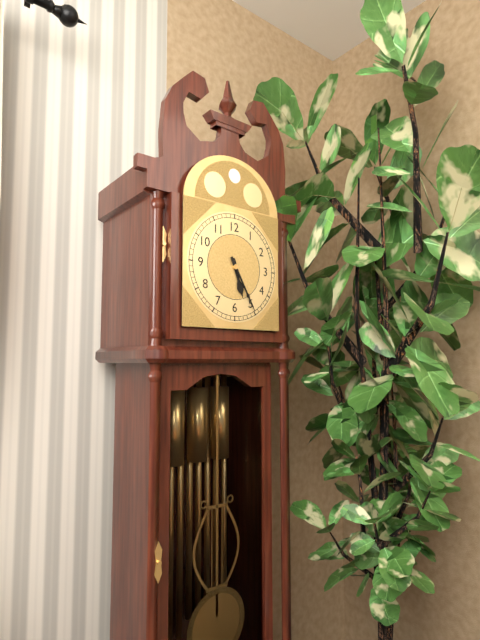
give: {"hour": 5, "minute": 25}
